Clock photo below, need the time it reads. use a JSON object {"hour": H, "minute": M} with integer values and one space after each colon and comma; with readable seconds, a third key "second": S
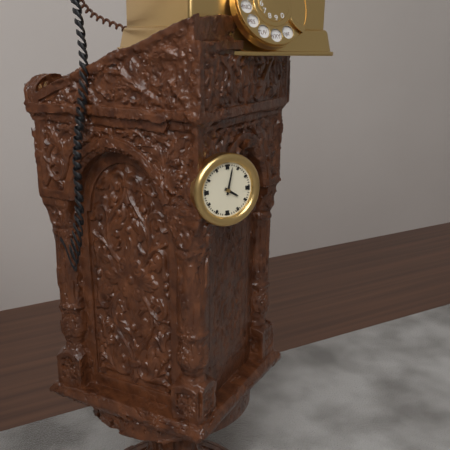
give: {"hour": 4, "minute": 2}
